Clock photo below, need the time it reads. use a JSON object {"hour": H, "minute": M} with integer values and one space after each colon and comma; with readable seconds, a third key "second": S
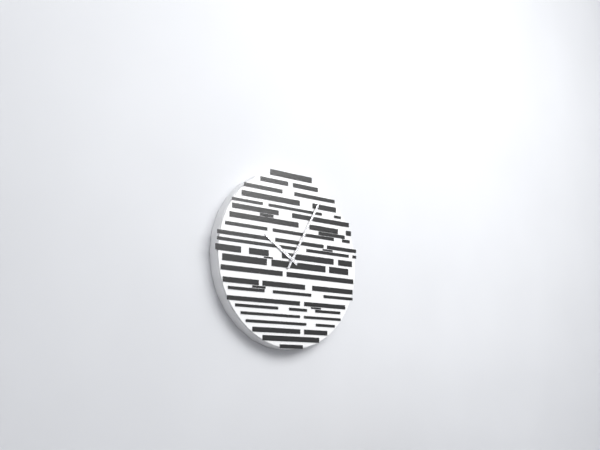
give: {"hour": 10, "minute": 5}
